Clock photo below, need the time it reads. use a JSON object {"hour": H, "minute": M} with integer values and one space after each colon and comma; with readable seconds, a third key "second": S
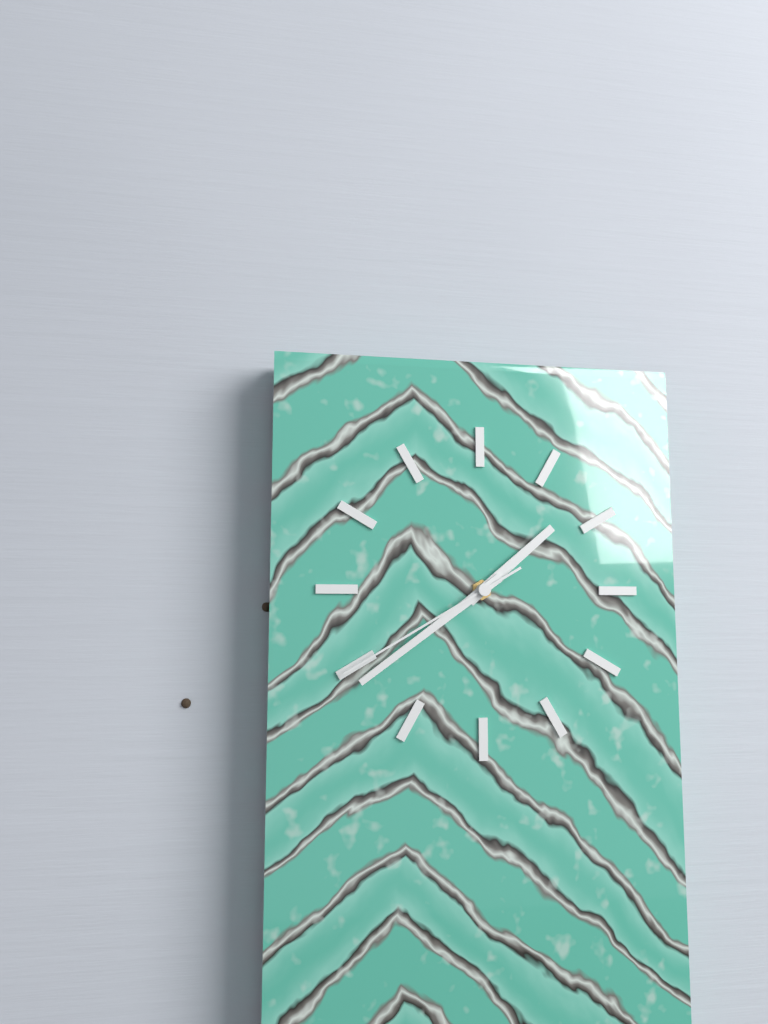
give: {"hour": 1, "minute": 39, "second": 40}
